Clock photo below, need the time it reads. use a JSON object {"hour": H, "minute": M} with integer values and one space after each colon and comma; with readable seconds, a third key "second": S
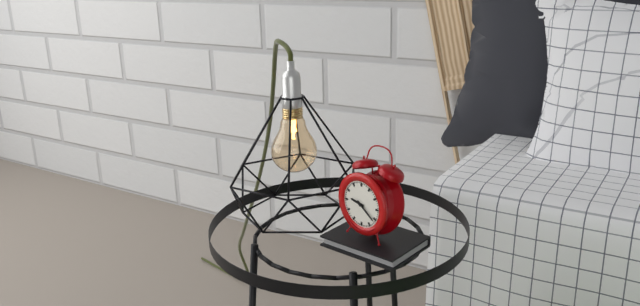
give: {"hour": 9, "minute": 21}
